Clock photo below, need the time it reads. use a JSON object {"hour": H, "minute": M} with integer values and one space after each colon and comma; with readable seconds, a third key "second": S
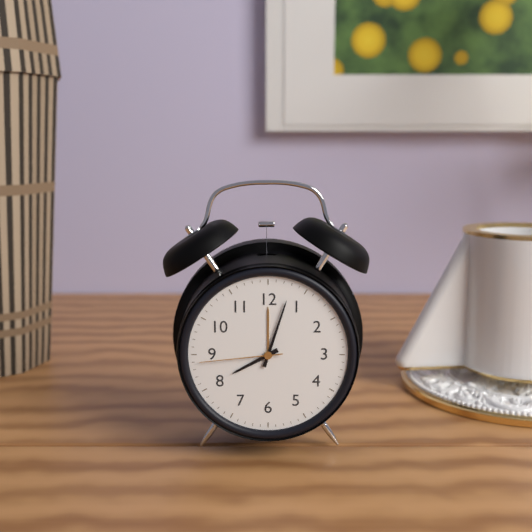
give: {"hour": 8, "minute": 3, "second": 44}
